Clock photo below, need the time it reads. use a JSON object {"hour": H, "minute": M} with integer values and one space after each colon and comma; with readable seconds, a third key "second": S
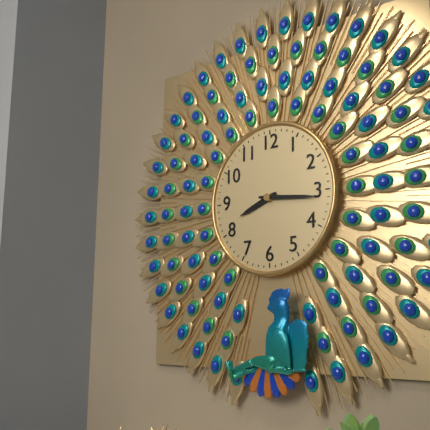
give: {"hour": 8, "minute": 16}
